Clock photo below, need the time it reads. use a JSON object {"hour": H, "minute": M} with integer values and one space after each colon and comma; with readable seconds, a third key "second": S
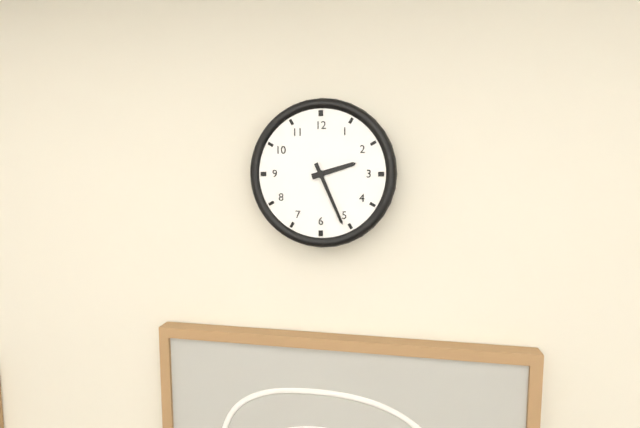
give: {"hour": 2, "minute": 26}
